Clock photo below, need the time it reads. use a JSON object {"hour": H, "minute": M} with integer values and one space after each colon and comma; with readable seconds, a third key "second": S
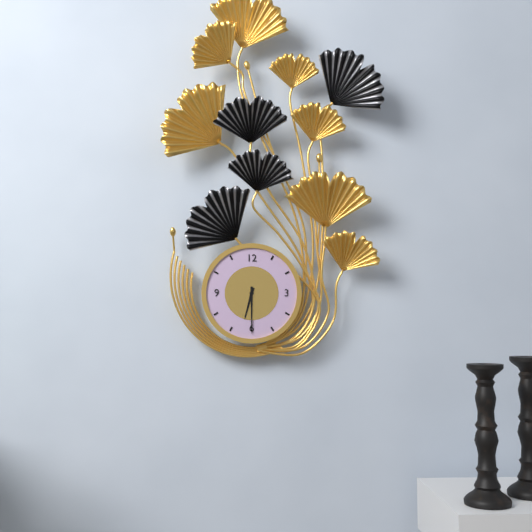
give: {"hour": 6, "minute": 30}
